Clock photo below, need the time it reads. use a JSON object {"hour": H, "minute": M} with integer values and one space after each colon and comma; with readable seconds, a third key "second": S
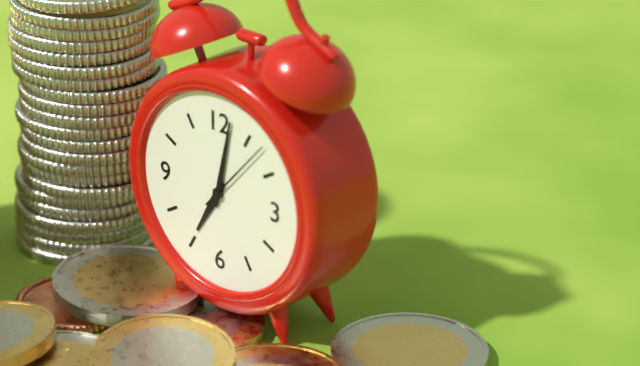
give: {"hour": 7, "minute": 2}
